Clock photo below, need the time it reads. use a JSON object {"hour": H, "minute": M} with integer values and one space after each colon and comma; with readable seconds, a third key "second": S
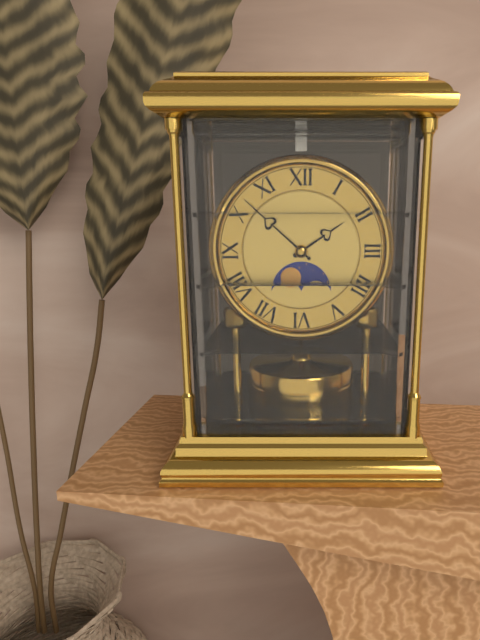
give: {"hour": 1, "minute": 52}
